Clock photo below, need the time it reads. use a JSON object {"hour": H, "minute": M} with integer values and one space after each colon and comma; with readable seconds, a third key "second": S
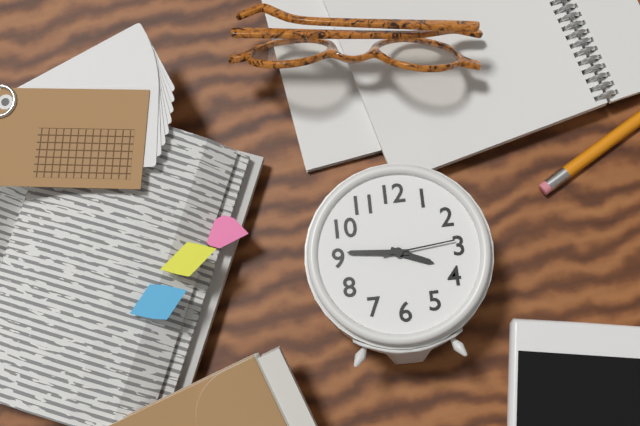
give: {"hour": 3, "minute": 46, "second": 14}
